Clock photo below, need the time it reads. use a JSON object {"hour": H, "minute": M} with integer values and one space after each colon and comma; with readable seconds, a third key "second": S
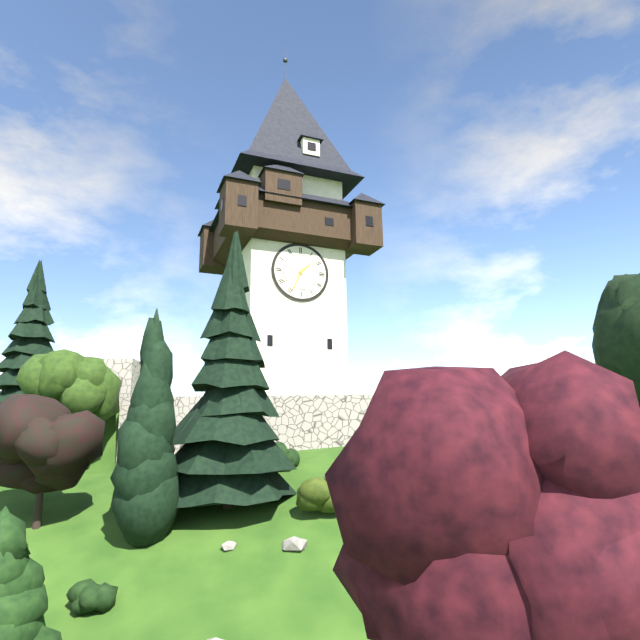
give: {"hour": 1, "minute": 34}
